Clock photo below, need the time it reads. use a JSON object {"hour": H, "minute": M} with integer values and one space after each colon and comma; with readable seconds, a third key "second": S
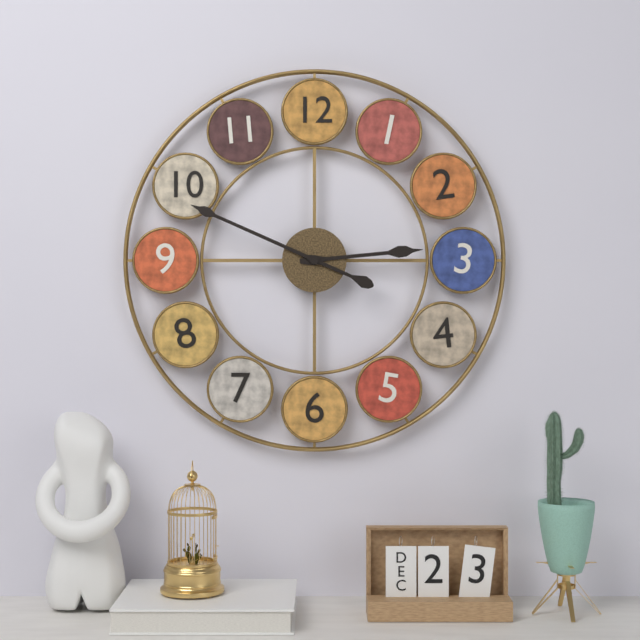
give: {"hour": 2, "minute": 49}
